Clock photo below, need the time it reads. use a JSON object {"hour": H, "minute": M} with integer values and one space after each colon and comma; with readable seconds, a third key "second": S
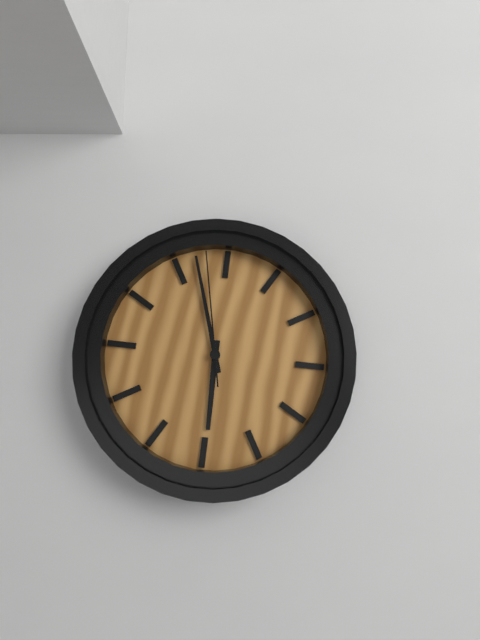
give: {"hour": 5, "minute": 57, "second": 58}
